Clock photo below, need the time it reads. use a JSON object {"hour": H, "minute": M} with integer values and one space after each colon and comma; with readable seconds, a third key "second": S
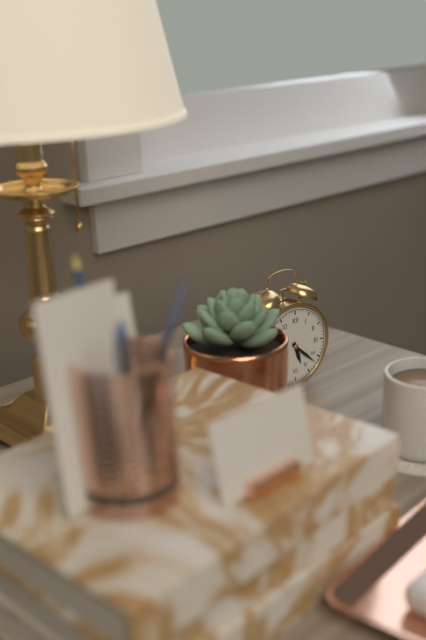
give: {"hour": 5, "minute": 22}
